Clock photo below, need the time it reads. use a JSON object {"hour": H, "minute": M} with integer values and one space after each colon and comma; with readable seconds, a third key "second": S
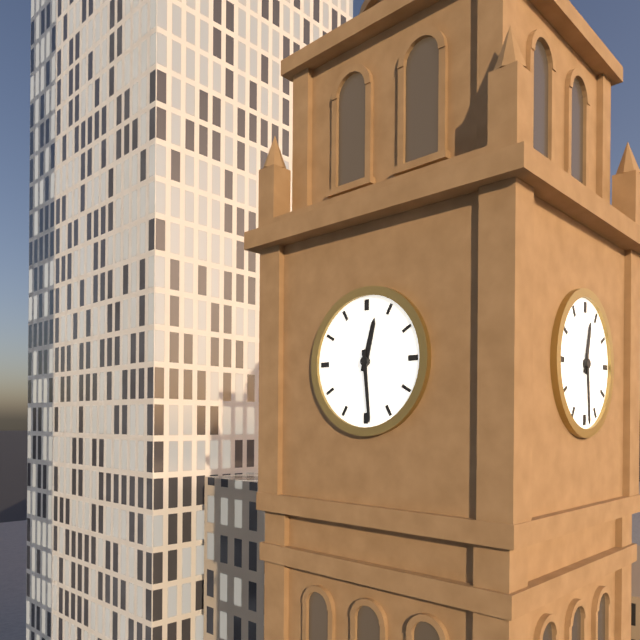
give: {"hour": 12, "minute": 29}
